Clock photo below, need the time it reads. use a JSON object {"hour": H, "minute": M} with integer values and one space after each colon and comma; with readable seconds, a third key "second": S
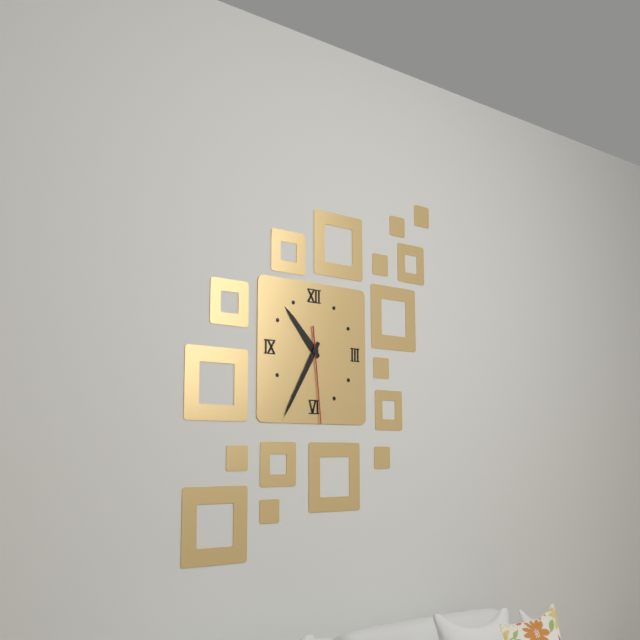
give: {"hour": 10, "minute": 35, "second": 29}
